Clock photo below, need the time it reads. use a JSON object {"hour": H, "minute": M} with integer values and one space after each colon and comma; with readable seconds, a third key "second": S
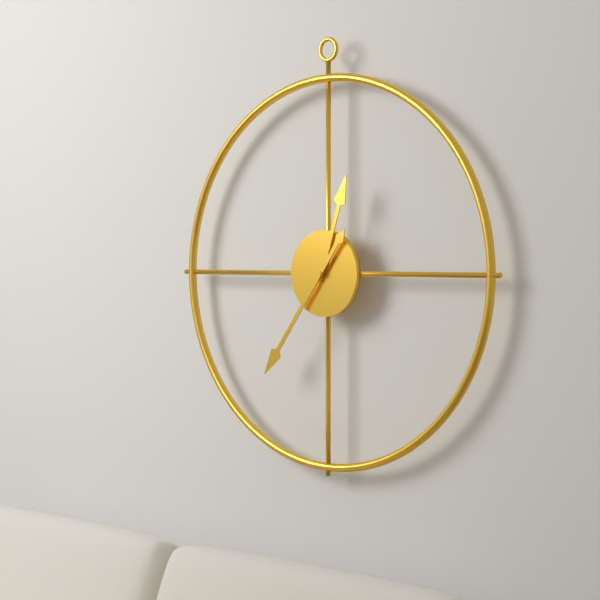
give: {"hour": 12, "minute": 36}
